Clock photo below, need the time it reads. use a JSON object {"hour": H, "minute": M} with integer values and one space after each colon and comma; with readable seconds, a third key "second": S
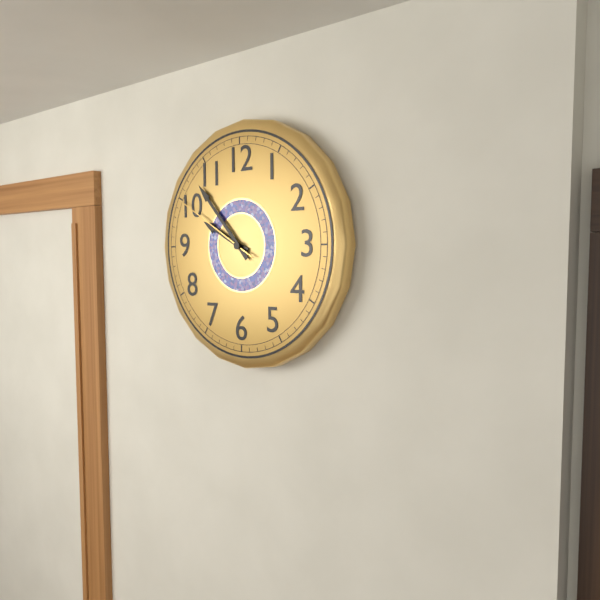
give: {"hour": 9, "minute": 53, "second": 50}
